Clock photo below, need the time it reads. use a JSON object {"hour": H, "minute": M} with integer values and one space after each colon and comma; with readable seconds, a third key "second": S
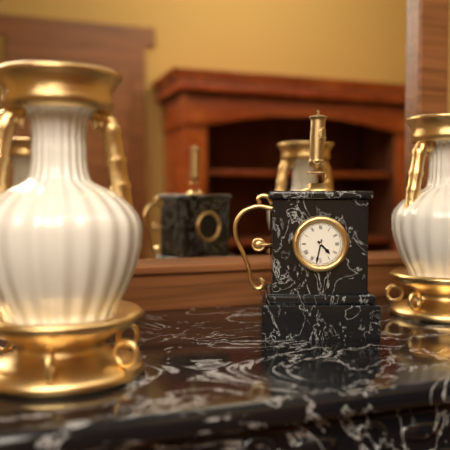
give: {"hour": 4, "minute": 32}
